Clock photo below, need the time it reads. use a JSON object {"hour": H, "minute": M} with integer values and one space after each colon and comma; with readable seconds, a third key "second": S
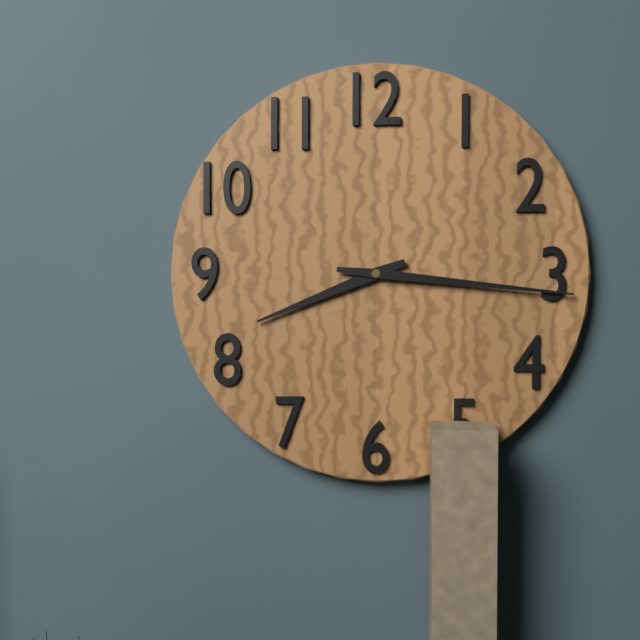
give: {"hour": 8, "minute": 16}
